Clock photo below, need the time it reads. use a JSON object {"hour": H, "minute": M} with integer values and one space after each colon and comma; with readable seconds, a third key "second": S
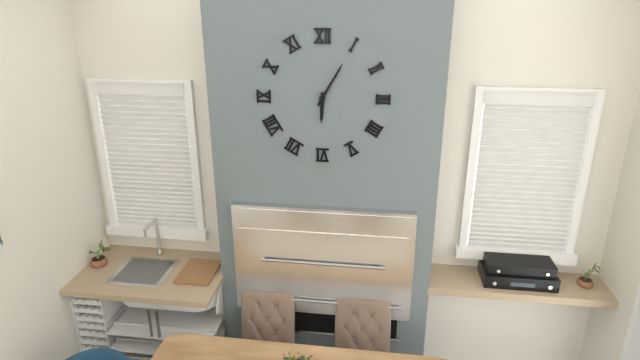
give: {"hour": 6, "minute": 5}
